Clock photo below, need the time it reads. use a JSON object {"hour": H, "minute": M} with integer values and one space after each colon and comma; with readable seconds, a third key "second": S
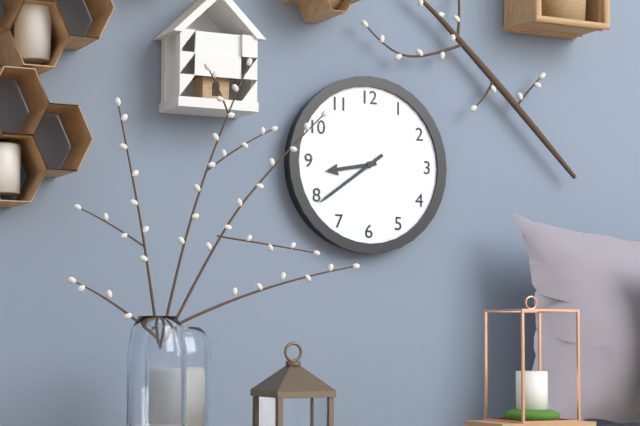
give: {"hour": 8, "minute": 39}
